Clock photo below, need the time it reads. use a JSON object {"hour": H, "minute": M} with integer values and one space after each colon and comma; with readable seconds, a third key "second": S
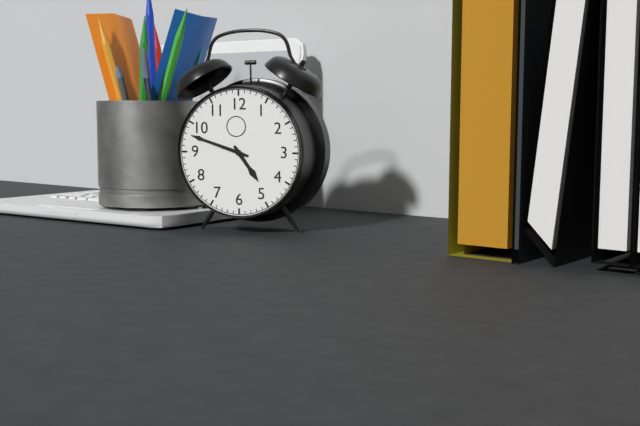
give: {"hour": 4, "minute": 48}
